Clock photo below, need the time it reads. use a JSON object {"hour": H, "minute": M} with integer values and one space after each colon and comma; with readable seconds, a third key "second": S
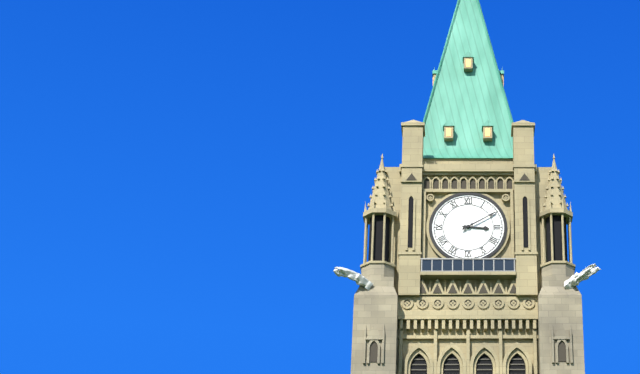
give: {"hour": 3, "minute": 10}
